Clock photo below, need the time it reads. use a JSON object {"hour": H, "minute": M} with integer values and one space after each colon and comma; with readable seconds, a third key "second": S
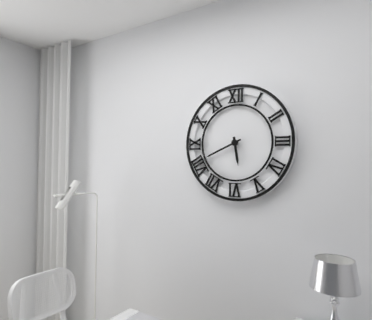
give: {"hour": 5, "minute": 41}
